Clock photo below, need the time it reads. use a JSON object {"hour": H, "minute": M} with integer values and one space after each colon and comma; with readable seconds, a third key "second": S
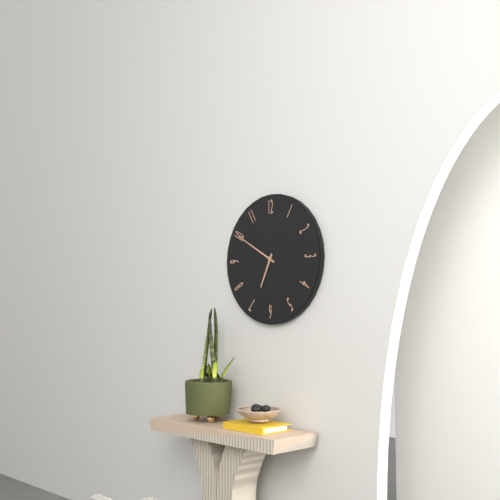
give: {"hour": 6, "minute": 50}
